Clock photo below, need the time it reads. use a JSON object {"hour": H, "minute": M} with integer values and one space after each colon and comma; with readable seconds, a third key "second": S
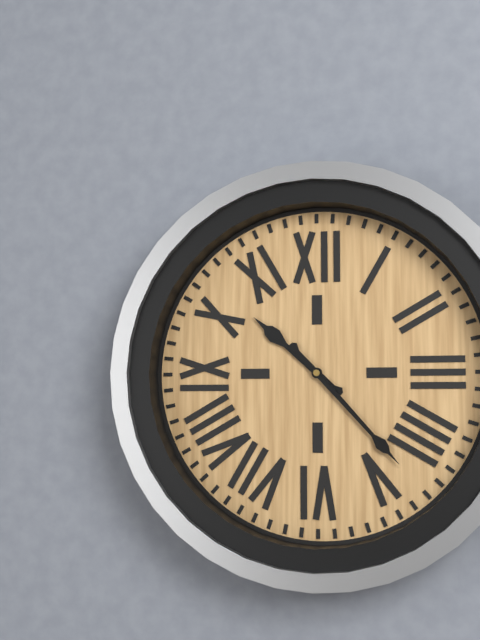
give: {"hour": 10, "minute": 23}
